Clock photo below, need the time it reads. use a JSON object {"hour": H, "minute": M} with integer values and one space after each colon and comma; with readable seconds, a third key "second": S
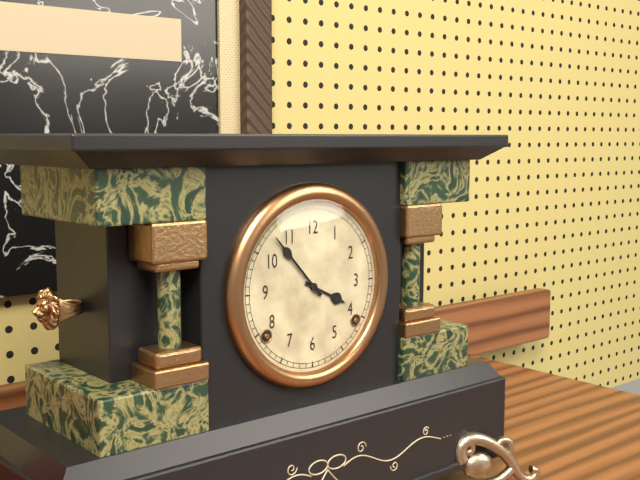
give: {"hour": 3, "minute": 53}
